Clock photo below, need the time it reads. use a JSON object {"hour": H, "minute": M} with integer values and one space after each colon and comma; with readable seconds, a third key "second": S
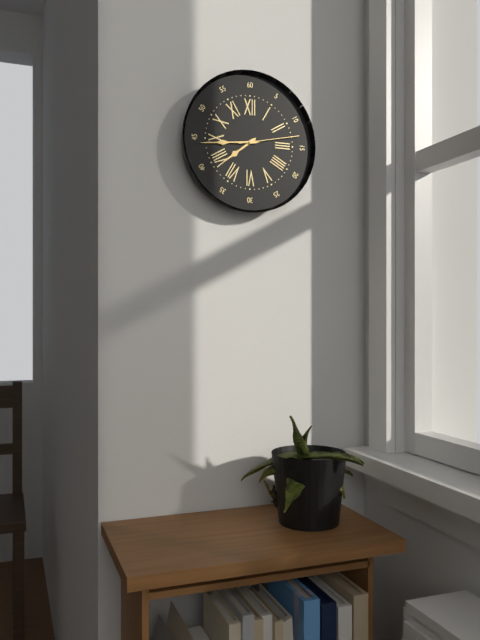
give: {"hour": 7, "minute": 44, "second": 13}
